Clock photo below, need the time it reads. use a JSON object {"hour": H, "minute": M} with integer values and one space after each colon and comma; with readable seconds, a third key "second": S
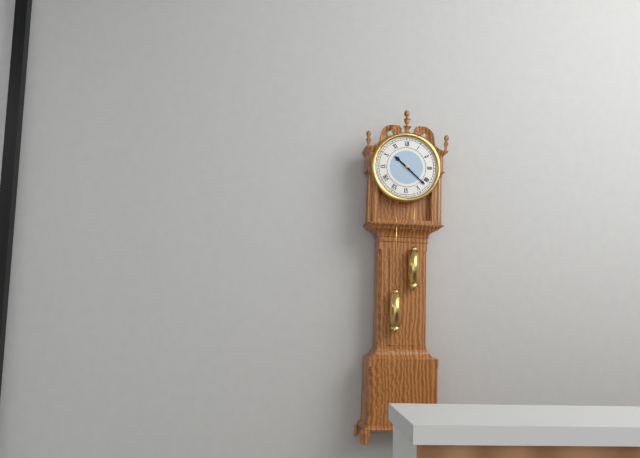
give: {"hour": 10, "minute": 22}
